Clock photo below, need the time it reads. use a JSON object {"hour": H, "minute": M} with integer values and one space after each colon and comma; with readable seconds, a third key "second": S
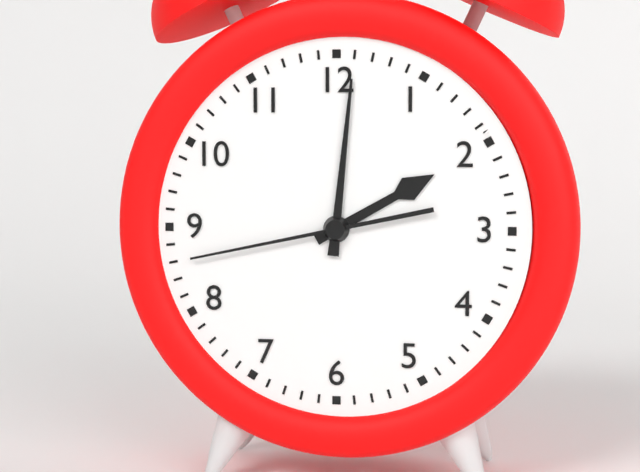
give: {"hour": 2, "minute": 1, "second": 43}
